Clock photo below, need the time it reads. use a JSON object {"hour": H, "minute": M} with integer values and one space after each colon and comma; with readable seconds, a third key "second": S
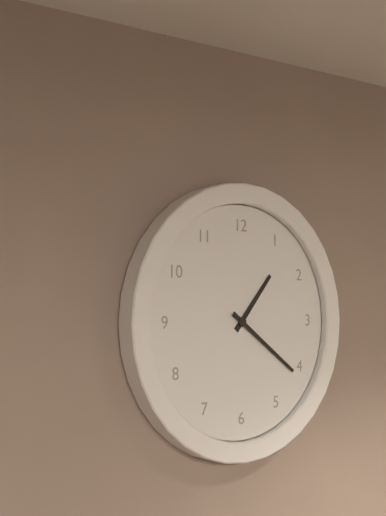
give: {"hour": 1, "minute": 21}
